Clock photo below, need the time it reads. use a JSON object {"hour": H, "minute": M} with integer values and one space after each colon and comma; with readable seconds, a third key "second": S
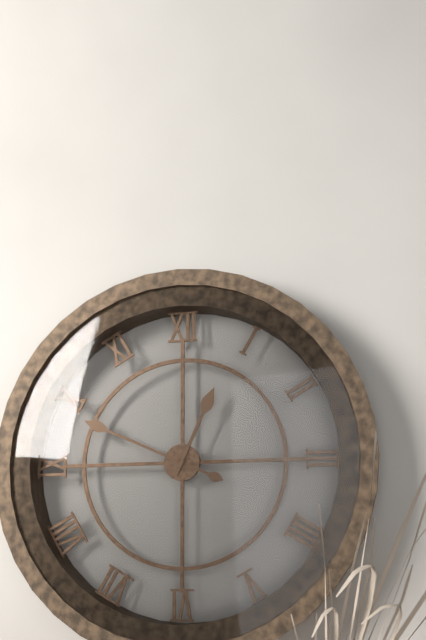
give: {"hour": 12, "minute": 49}
